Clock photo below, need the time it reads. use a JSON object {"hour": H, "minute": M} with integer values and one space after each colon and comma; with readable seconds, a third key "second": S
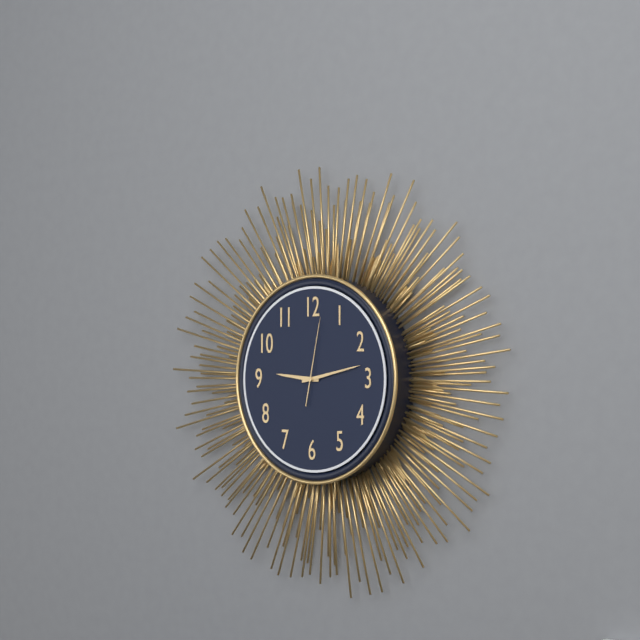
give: {"hour": 9, "minute": 13, "second": 2}
